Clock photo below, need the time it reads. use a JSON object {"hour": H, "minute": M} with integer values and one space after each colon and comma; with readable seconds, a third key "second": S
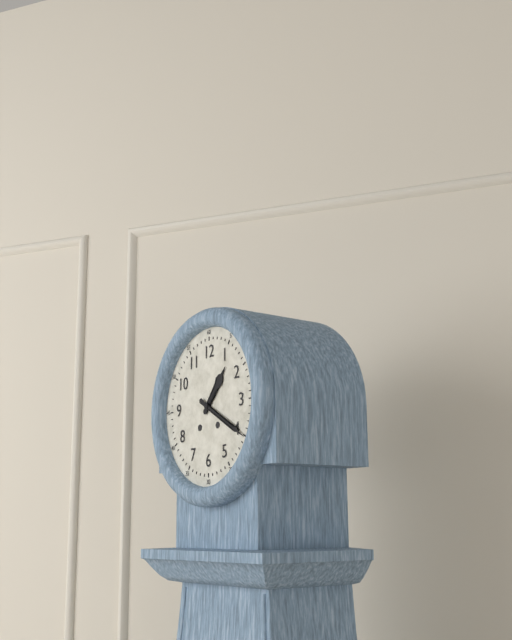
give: {"hour": 1, "minute": 20}
